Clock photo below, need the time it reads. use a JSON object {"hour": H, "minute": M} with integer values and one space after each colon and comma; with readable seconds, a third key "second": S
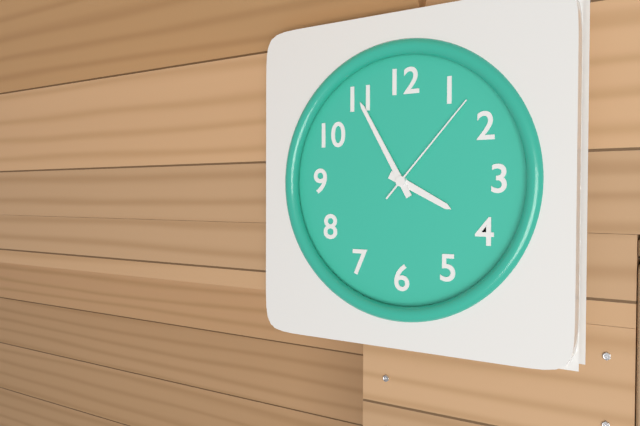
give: {"hour": 3, "minute": 55, "second": 7}
